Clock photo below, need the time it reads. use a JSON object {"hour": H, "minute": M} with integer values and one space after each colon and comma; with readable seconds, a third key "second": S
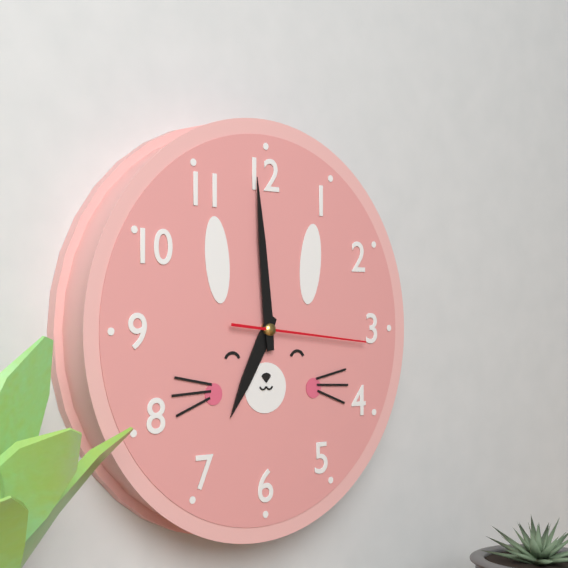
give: {"hour": 6, "minute": 59, "second": 16}
